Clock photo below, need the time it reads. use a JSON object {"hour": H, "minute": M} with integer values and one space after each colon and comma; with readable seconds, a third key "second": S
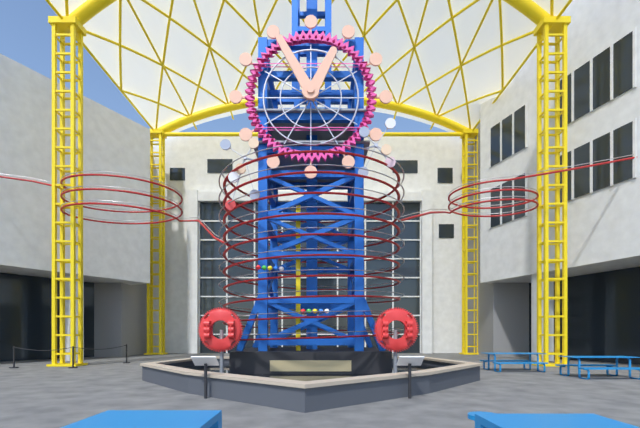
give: {"hour": 12, "minute": 55}
